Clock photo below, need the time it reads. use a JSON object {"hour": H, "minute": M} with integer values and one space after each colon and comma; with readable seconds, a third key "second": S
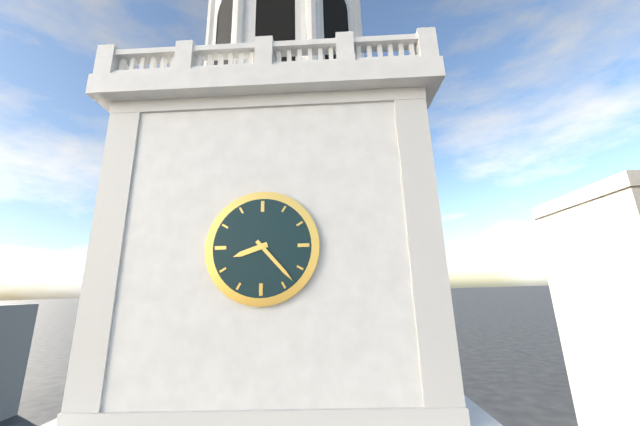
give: {"hour": 8, "minute": 23}
